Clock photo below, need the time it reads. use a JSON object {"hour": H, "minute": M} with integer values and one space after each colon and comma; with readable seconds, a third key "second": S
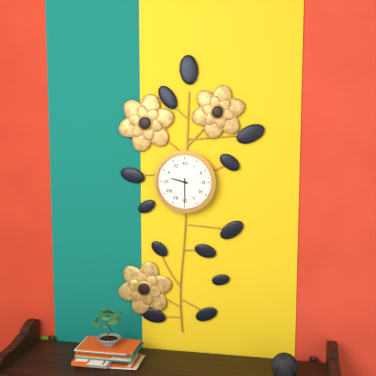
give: {"hour": 9, "minute": 30}
